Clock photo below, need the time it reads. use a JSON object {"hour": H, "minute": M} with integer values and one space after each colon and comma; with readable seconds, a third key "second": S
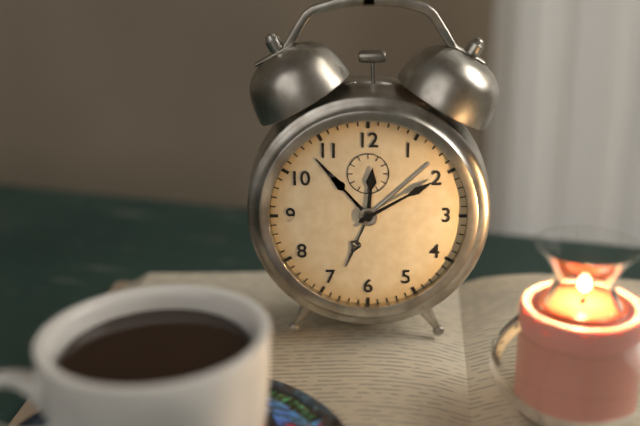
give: {"hour": 12, "minute": 10}
